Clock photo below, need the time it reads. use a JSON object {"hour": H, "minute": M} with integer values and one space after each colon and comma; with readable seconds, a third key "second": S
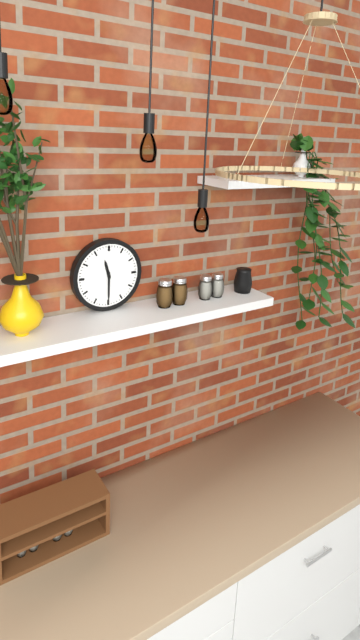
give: {"hour": 11, "minute": 30}
